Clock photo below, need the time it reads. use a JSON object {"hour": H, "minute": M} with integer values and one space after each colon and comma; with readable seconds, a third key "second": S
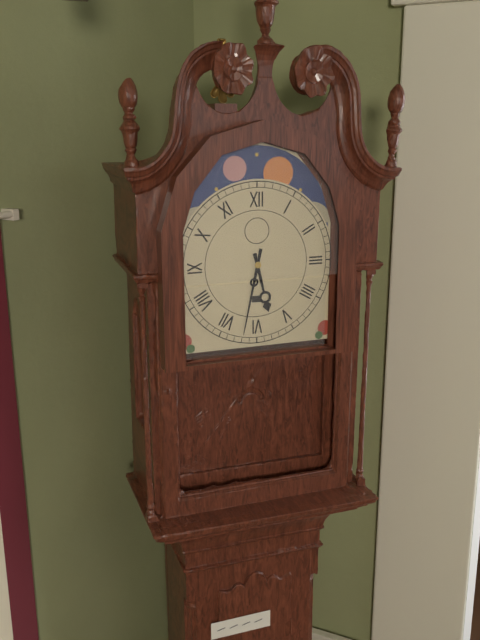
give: {"hour": 5, "minute": 32}
